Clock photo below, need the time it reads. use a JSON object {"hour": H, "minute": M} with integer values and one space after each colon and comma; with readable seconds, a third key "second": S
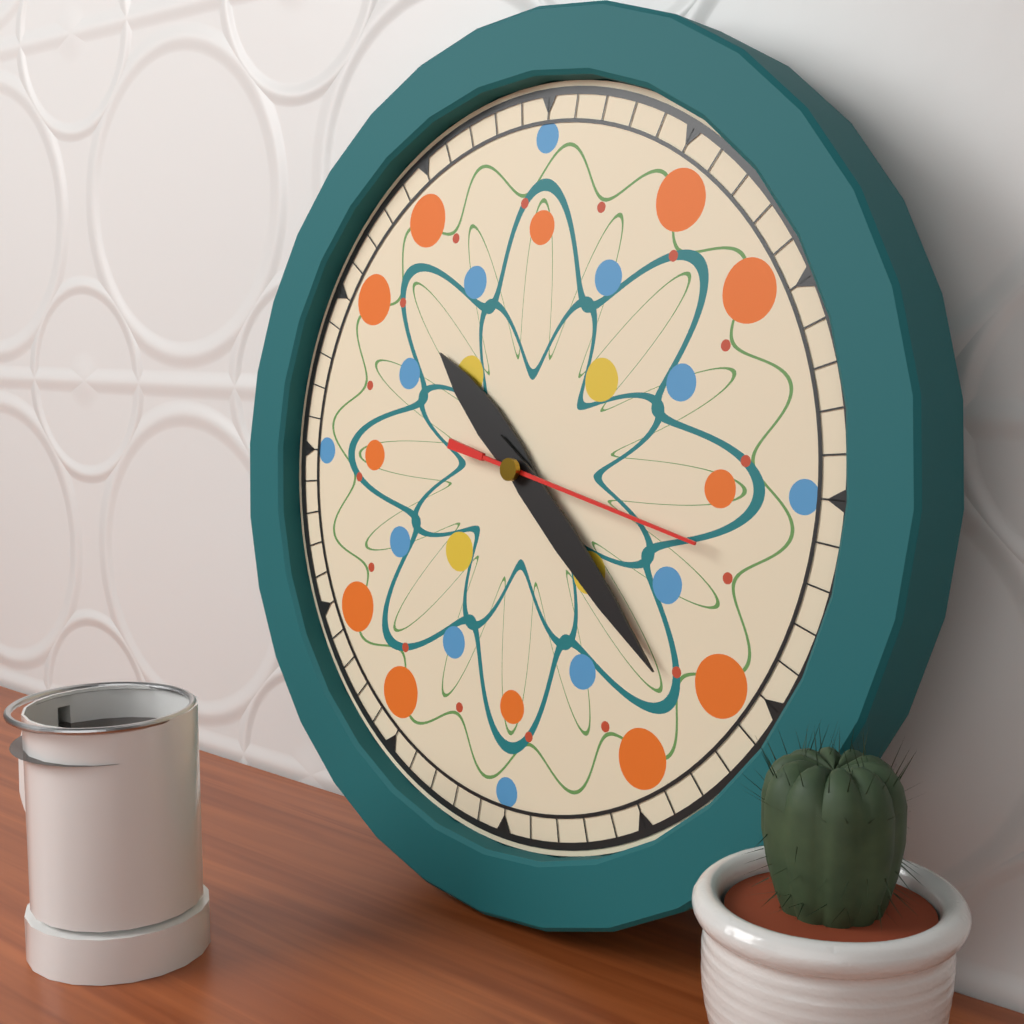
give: {"hour": 10, "minute": 22, "second": 17}
